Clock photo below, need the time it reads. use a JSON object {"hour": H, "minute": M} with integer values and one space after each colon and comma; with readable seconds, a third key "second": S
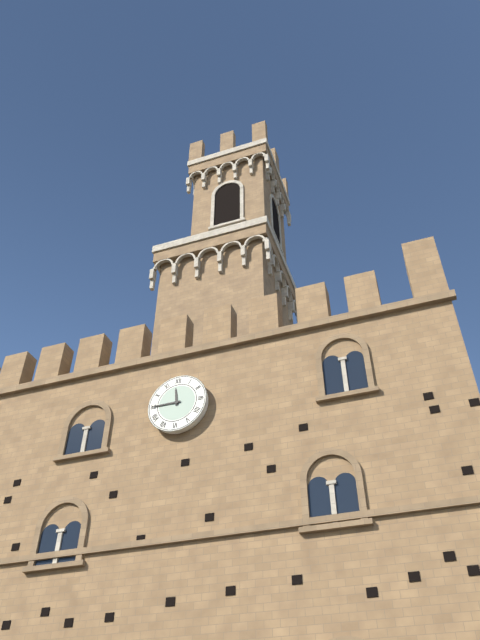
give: {"hour": 11, "minute": 45}
